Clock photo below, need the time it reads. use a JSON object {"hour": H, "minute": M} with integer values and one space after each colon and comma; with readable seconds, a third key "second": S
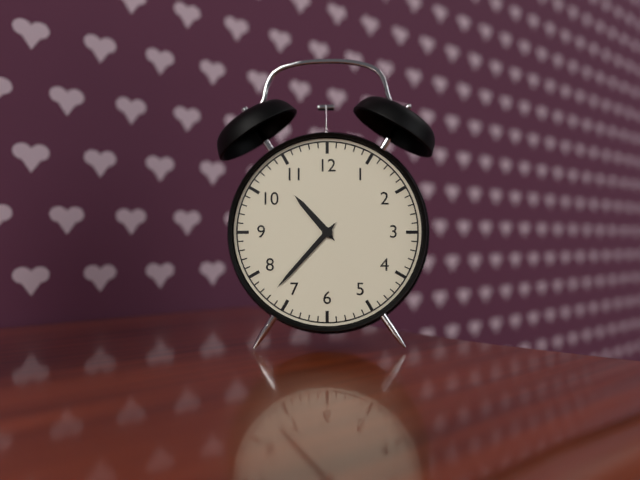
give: {"hour": 10, "minute": 37}
